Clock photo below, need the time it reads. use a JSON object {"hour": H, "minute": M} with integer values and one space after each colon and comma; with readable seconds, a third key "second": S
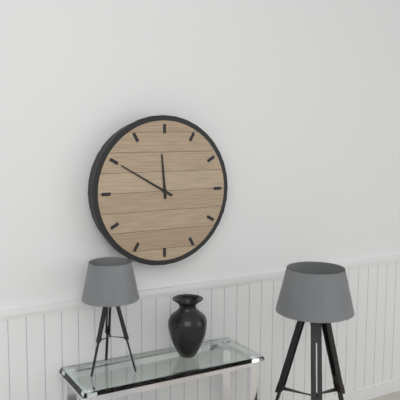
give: {"hour": 11, "minute": 50}
